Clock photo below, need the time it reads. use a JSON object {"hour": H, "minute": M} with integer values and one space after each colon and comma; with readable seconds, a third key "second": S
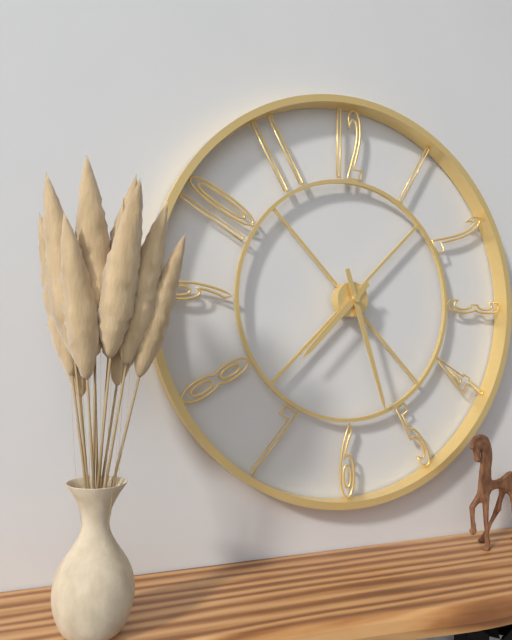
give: {"hour": 7, "minute": 27}
